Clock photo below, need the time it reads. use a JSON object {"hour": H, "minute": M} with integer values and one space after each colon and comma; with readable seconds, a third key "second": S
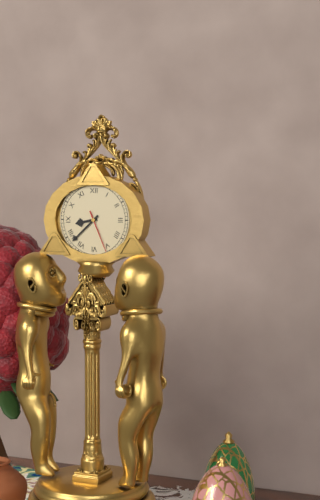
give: {"hour": 8, "minute": 38}
